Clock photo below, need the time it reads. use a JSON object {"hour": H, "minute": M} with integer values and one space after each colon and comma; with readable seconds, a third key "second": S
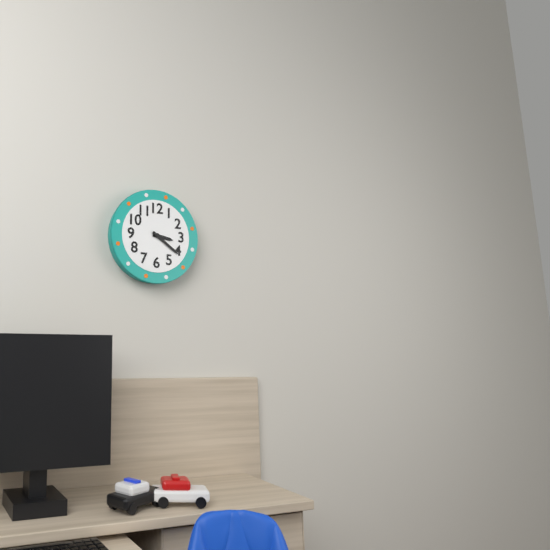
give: {"hour": 3, "minute": 21}
